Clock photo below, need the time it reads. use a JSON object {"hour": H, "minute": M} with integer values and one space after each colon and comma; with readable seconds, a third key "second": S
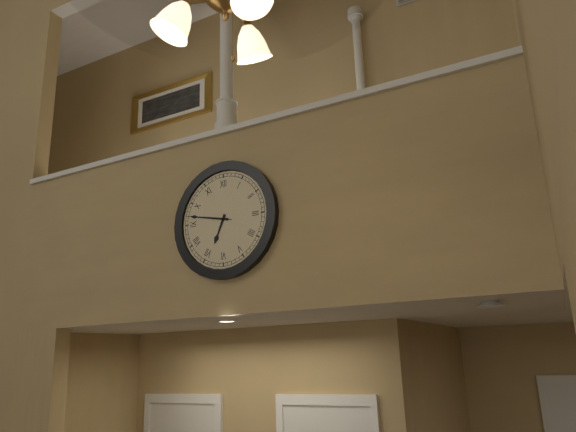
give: {"hour": 6, "minute": 47}
